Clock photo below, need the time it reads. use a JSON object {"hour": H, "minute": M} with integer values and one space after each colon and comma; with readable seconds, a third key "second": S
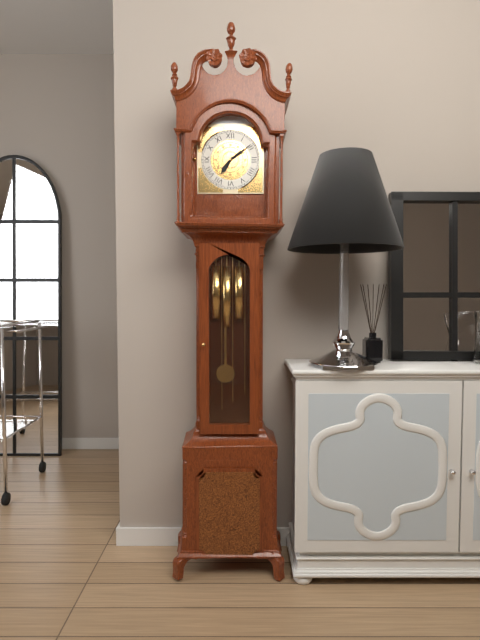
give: {"hour": 7, "minute": 9}
